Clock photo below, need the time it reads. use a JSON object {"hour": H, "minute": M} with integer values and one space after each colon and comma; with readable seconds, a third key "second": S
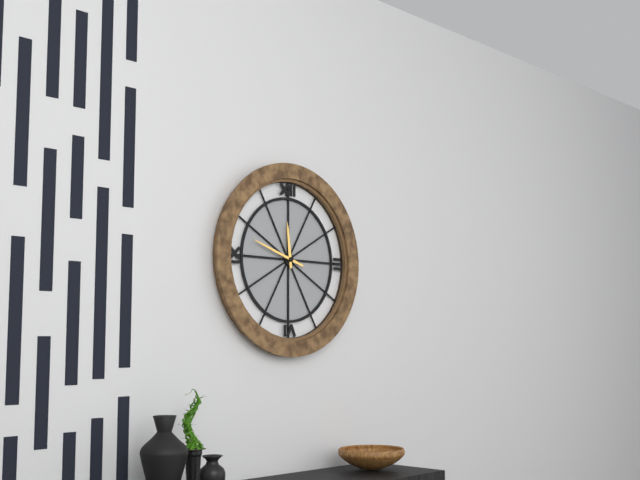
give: {"hour": 11, "minute": 48}
